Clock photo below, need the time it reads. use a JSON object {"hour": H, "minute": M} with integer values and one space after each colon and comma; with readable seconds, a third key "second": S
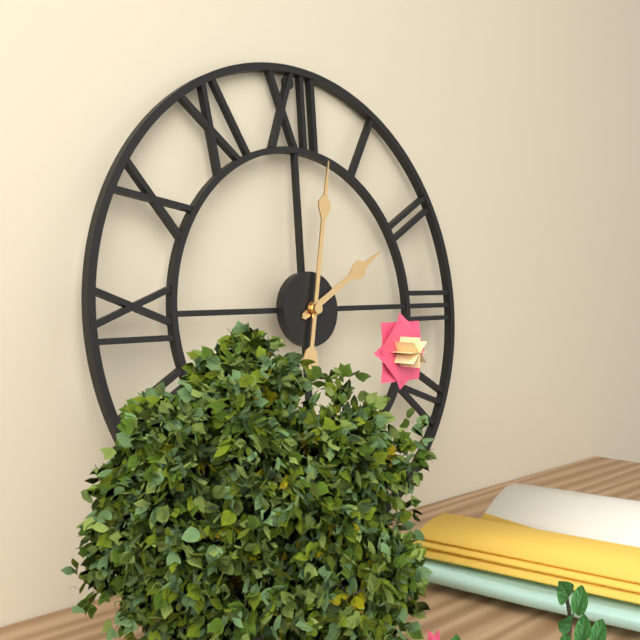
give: {"hour": 2, "minute": 2}
